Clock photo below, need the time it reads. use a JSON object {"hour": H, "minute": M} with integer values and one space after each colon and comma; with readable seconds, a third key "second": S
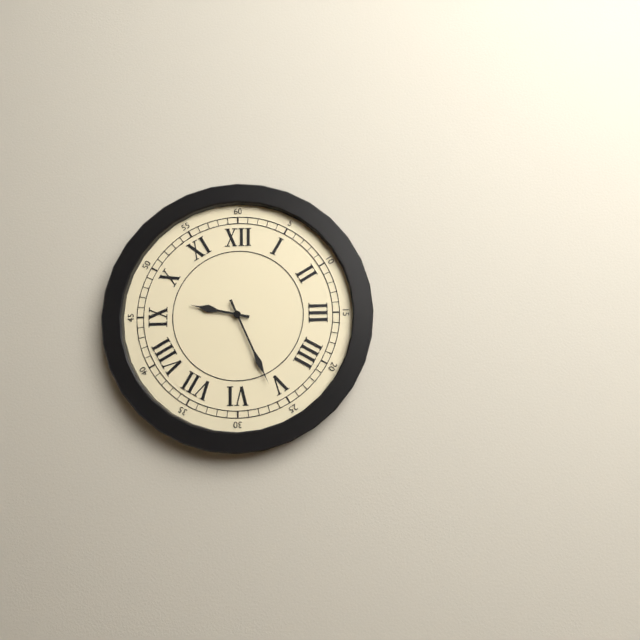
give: {"hour": 9, "minute": 26}
